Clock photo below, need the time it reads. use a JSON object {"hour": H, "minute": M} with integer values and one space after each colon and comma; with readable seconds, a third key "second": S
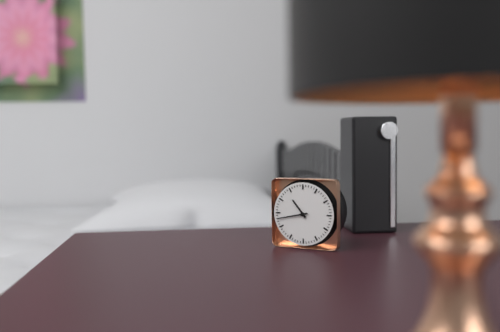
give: {"hour": 10, "minute": 43}
